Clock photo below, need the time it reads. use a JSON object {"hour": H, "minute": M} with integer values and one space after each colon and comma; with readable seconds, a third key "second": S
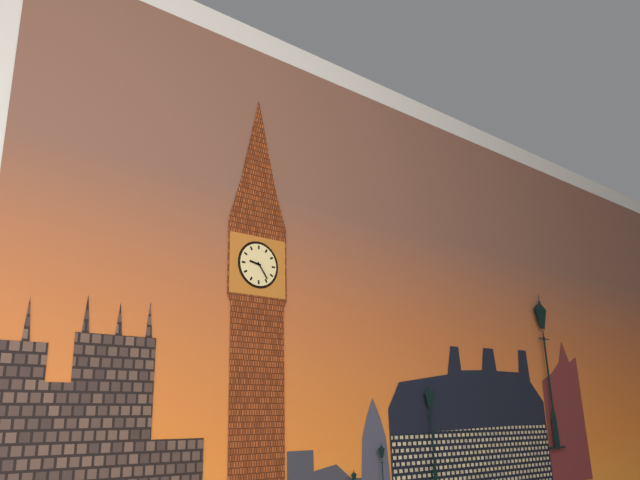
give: {"hour": 9, "minute": 24}
